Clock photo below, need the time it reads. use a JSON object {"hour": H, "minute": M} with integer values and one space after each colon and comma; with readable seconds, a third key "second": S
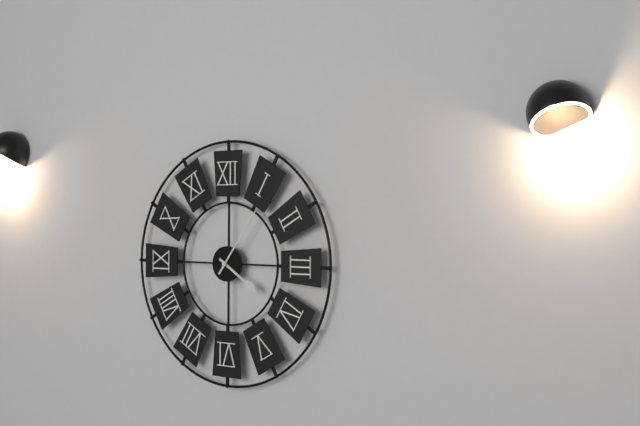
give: {"hour": 4, "minute": 6}
